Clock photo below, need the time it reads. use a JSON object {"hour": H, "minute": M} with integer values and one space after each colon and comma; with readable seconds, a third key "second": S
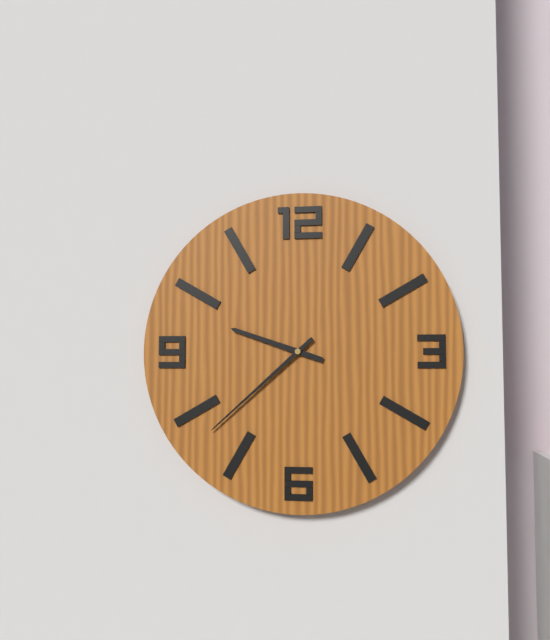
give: {"hour": 9, "minute": 38}
